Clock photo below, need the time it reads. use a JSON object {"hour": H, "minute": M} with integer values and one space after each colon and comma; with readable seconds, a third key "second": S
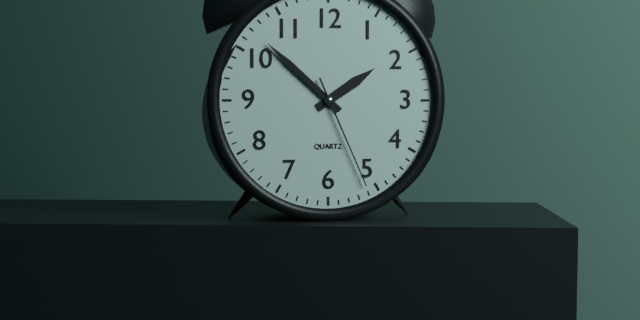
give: {"hour": 1, "minute": 52, "second": 26}
